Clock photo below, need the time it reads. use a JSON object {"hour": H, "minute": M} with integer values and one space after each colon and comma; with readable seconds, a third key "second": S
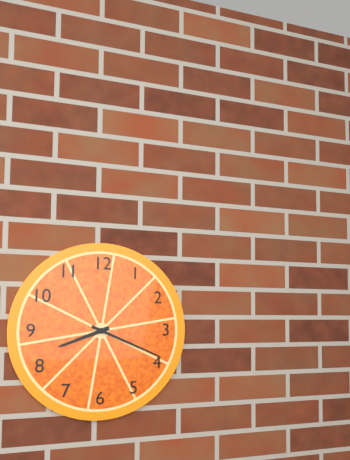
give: {"hour": 8, "minute": 19}
